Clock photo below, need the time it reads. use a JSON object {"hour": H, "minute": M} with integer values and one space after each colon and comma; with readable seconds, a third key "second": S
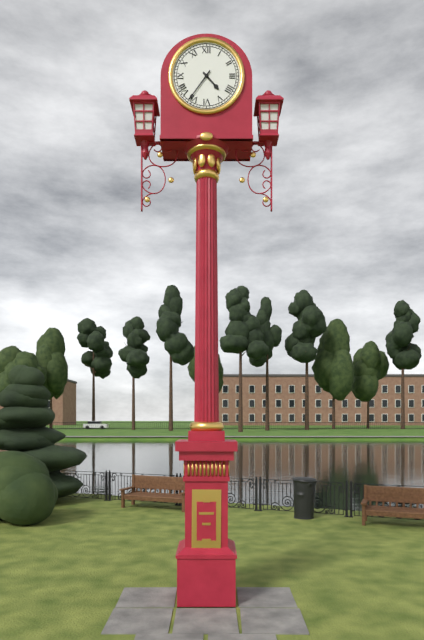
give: {"hour": 4, "minute": 36}
